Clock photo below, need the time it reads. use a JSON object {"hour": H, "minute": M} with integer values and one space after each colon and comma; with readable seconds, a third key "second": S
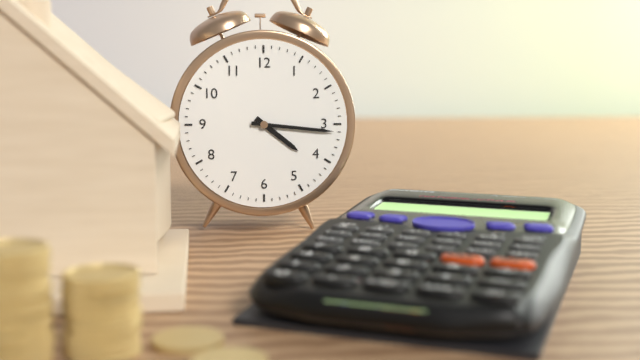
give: {"hour": 4, "minute": 16}
